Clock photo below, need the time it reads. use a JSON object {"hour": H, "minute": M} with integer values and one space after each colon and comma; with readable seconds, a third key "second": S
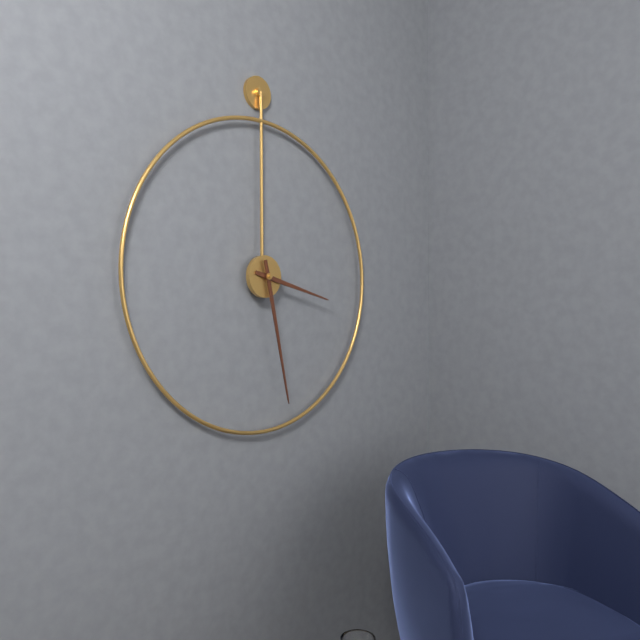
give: {"hour": 3, "minute": 28}
